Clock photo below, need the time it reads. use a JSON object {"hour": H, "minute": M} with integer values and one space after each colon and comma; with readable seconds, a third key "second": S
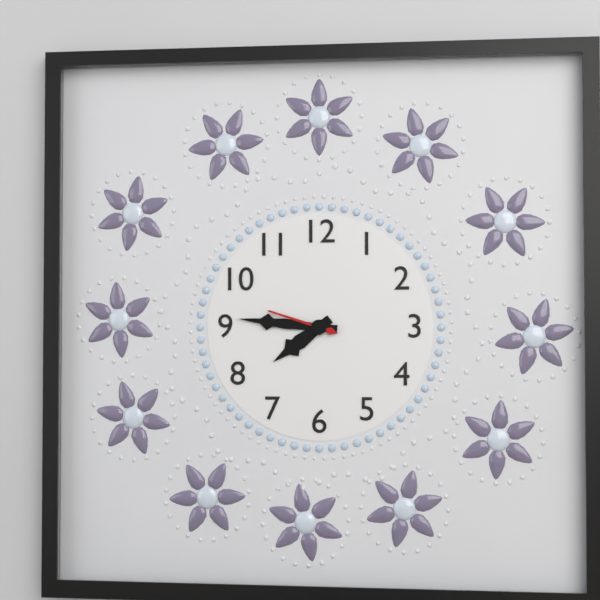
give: {"hour": 7, "minute": 46, "second": 48}
